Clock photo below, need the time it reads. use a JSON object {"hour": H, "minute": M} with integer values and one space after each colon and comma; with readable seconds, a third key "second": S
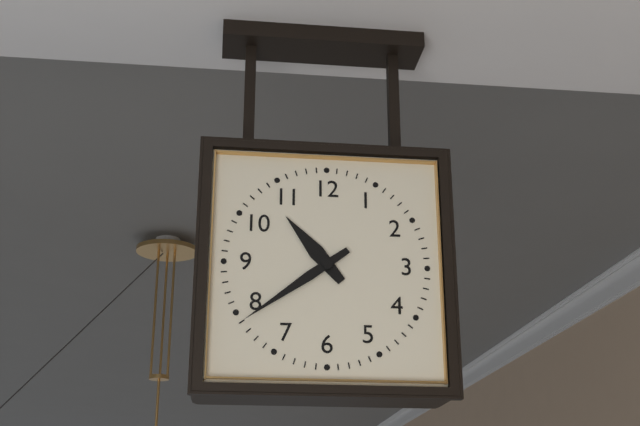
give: {"hour": 10, "minute": 39}
